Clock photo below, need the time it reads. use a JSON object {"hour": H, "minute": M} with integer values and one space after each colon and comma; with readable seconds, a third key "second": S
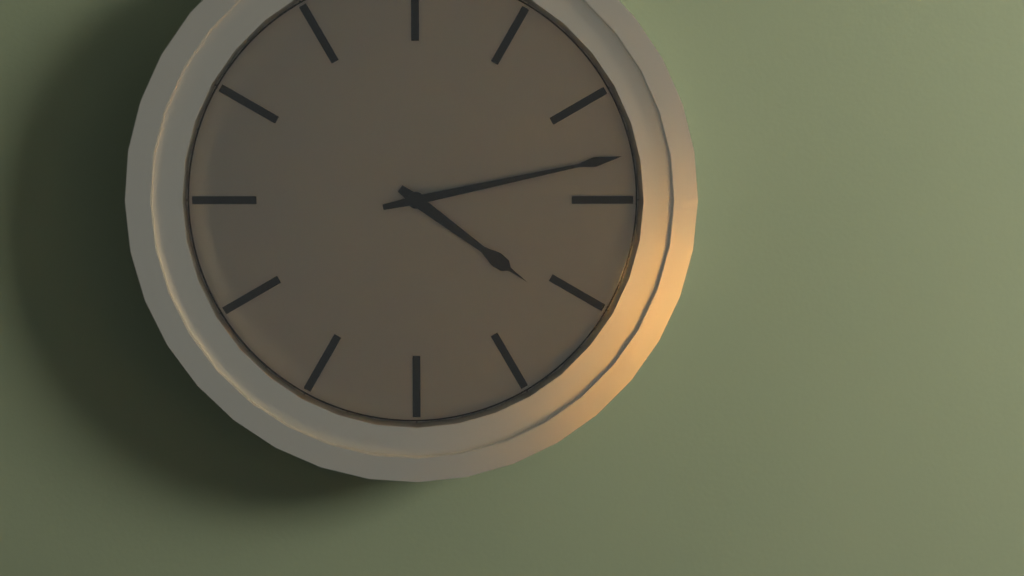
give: {"hour": 4, "minute": 13}
